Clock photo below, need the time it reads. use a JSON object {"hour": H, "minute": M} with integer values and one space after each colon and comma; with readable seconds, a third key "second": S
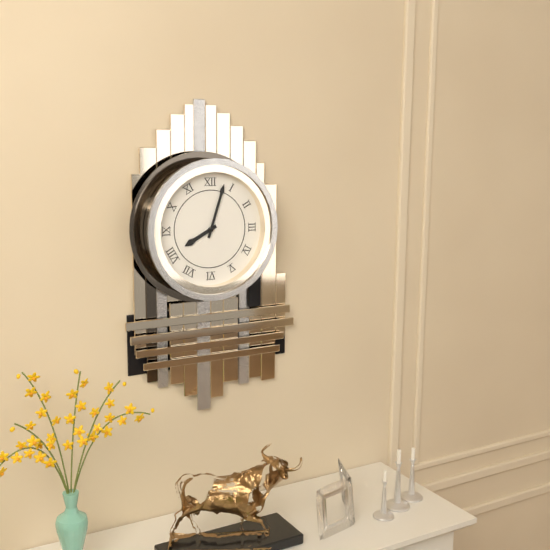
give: {"hour": 8, "minute": 3}
